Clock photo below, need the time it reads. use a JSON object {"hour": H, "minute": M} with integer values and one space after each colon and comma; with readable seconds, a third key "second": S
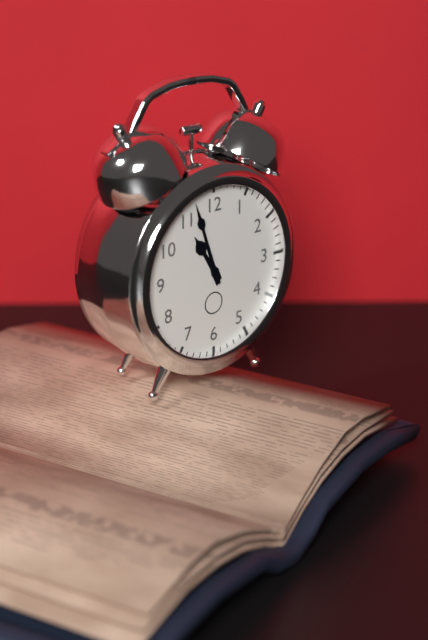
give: {"hour": 10, "minute": 57}
